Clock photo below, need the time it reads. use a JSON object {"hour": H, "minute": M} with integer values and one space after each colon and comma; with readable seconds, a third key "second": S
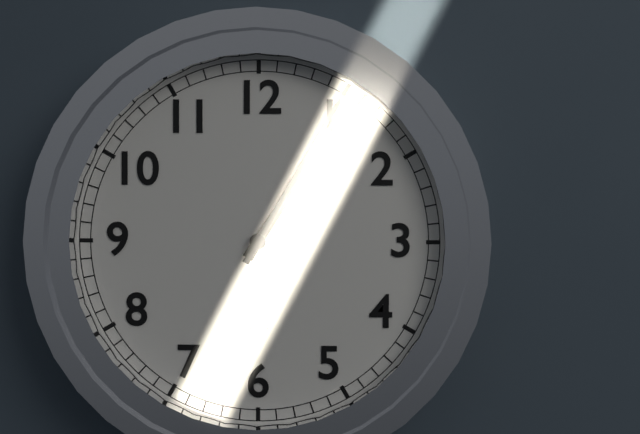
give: {"hour": 1, "minute": 5}
